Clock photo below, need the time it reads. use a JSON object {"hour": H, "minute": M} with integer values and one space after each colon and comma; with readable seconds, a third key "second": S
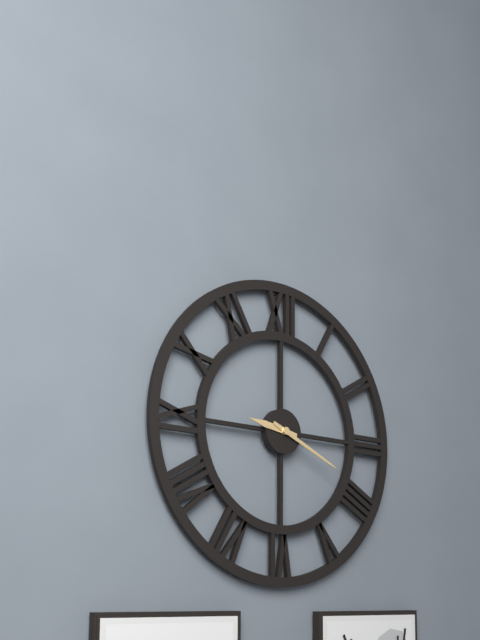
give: {"hour": 9, "minute": 19}
